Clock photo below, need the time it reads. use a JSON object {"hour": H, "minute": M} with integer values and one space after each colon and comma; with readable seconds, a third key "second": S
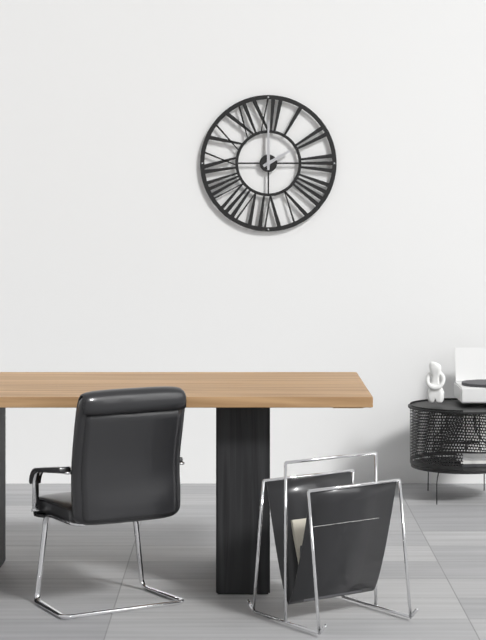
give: {"hour": 2, "minute": 0}
